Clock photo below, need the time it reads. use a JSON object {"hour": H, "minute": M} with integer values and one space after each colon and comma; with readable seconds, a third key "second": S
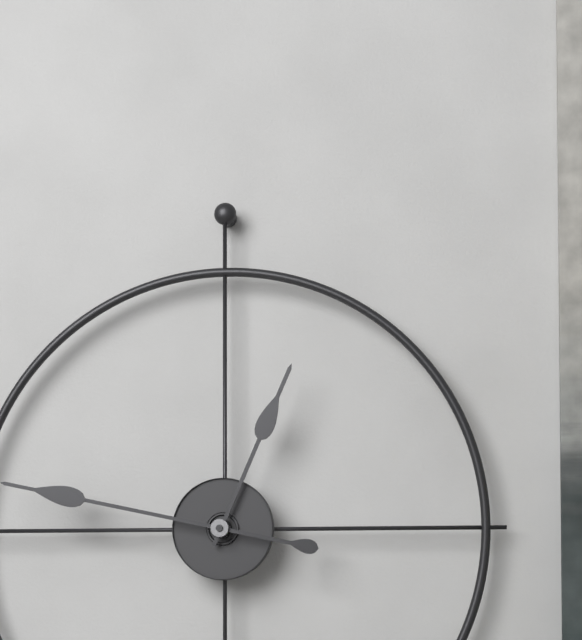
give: {"hour": 12, "minute": 47}
